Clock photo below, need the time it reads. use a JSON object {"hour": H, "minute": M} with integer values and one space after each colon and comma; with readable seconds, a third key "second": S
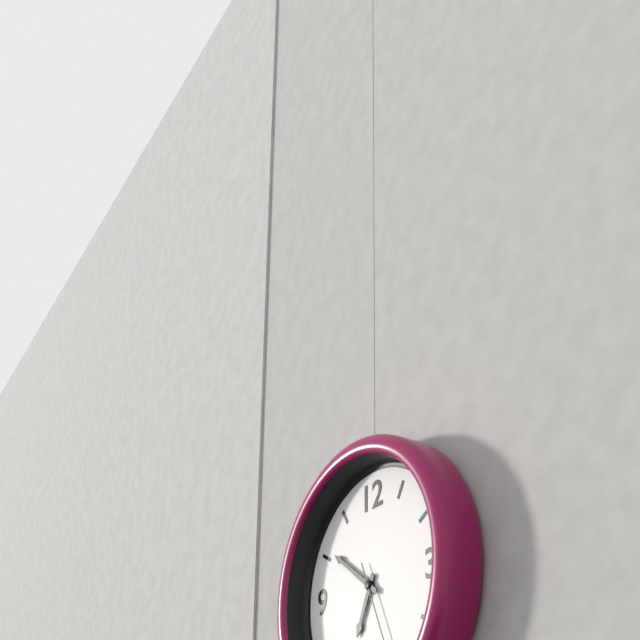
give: {"hour": 6, "minute": 51}
